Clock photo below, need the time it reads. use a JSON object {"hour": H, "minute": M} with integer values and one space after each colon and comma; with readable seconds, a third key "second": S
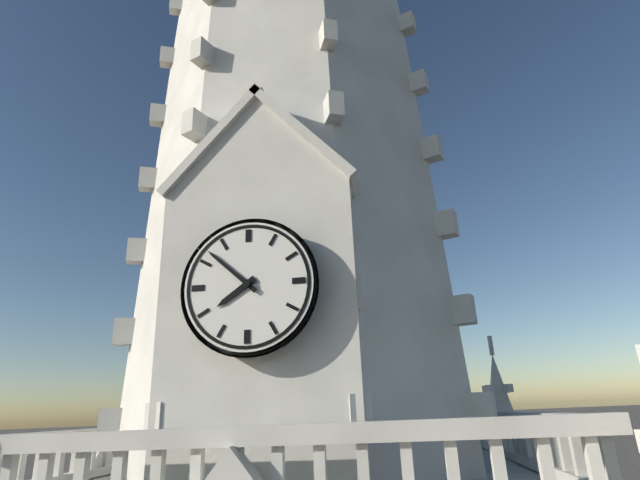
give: {"hour": 7, "minute": 52}
